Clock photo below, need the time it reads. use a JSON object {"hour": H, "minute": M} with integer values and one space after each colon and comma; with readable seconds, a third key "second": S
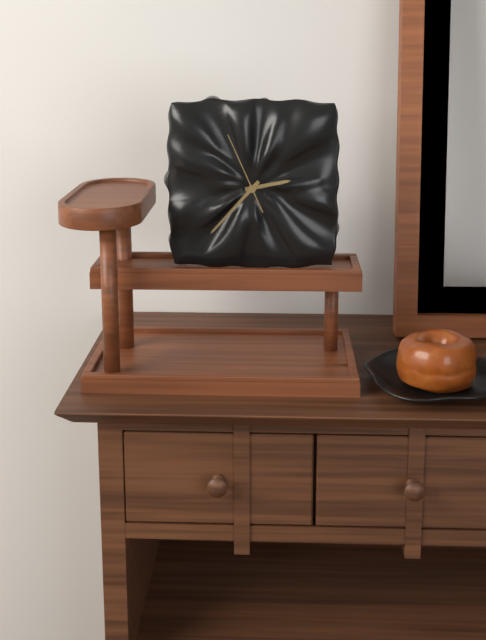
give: {"hour": 2, "minute": 37, "second": 56}
